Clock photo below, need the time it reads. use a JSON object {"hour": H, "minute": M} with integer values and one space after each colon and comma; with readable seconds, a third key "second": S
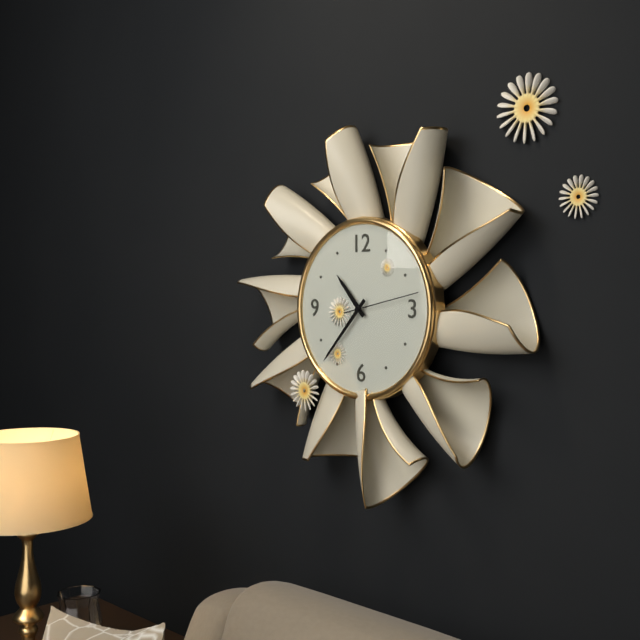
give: {"hour": 10, "minute": 37}
